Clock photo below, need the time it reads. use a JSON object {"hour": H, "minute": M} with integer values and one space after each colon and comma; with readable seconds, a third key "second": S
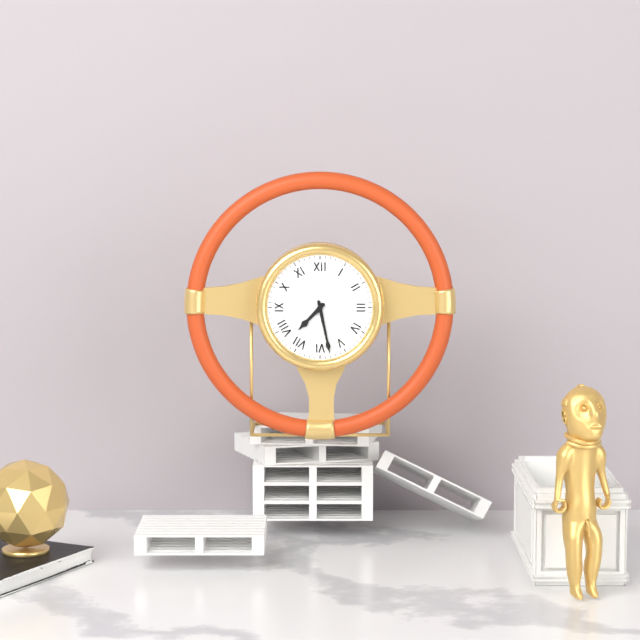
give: {"hour": 7, "minute": 28}
